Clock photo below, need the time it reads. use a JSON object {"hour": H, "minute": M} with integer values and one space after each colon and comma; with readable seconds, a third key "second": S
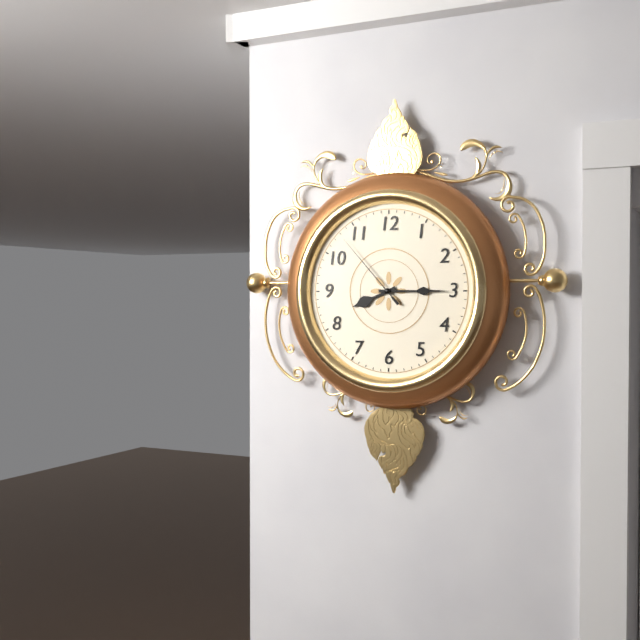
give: {"hour": 8, "minute": 15, "second": 53}
